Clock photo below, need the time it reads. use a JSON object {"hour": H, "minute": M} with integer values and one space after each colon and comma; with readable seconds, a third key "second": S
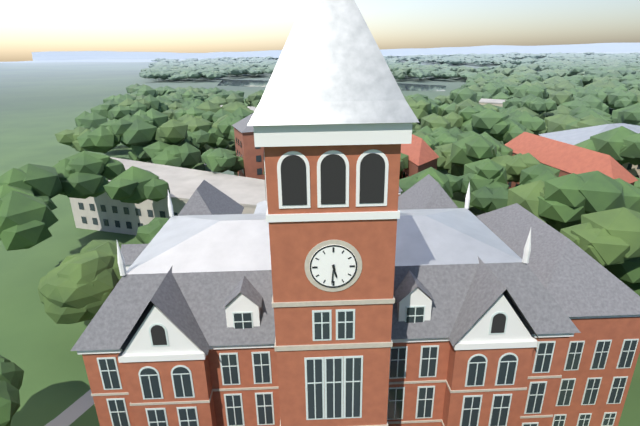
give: {"hour": 5, "minute": 31}
